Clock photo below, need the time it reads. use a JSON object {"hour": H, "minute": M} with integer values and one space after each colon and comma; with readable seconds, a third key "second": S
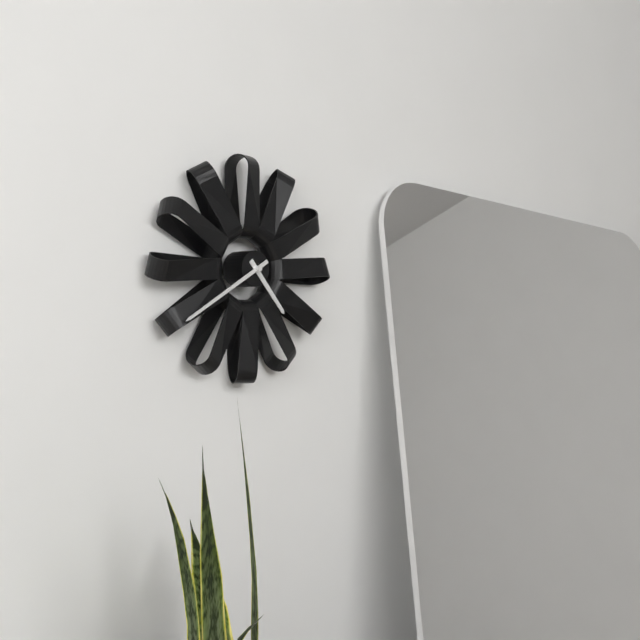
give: {"hour": 4, "minute": 40}
